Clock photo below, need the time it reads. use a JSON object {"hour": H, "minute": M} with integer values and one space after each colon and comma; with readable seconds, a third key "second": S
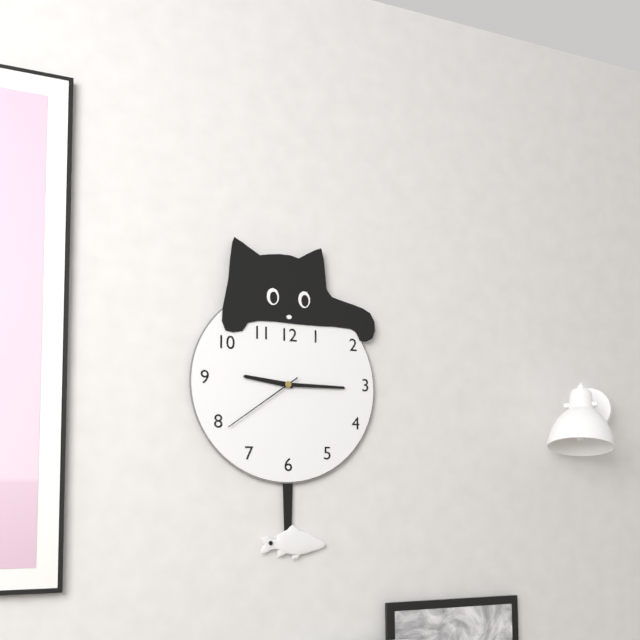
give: {"hour": 9, "minute": 15, "second": 39}
